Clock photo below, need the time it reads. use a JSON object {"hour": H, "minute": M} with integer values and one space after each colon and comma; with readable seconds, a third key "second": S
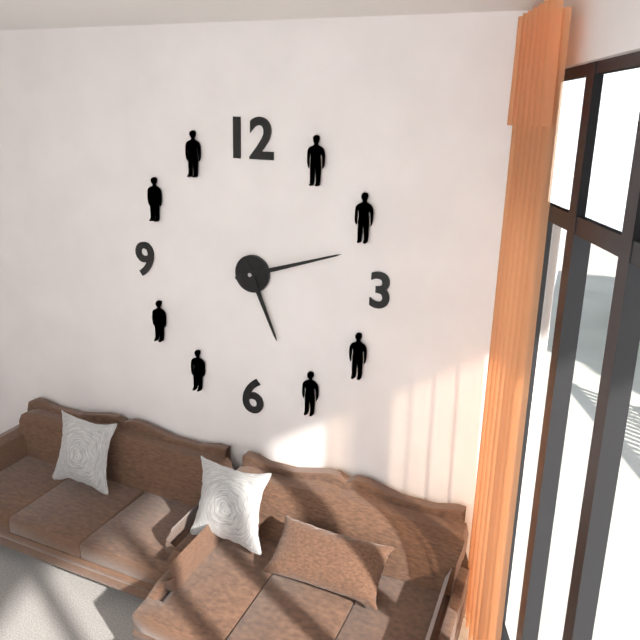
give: {"hour": 5, "minute": 12}
